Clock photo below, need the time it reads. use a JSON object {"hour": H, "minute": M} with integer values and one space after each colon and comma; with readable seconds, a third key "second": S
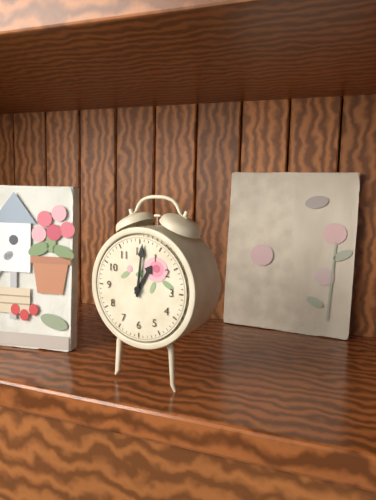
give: {"hour": 1, "minute": 1}
